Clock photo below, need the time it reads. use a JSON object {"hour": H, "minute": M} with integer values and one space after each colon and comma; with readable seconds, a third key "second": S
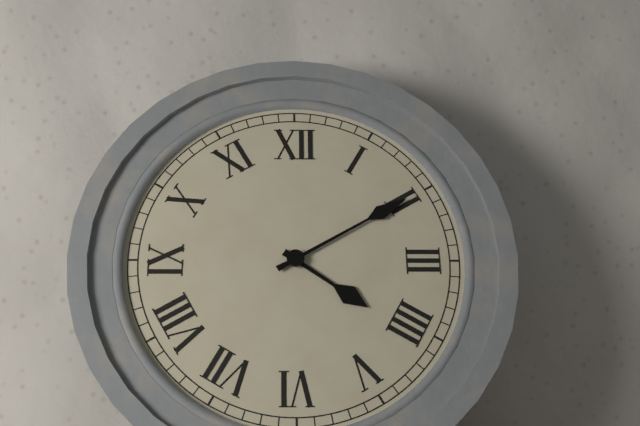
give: {"hour": 4, "minute": 10}
